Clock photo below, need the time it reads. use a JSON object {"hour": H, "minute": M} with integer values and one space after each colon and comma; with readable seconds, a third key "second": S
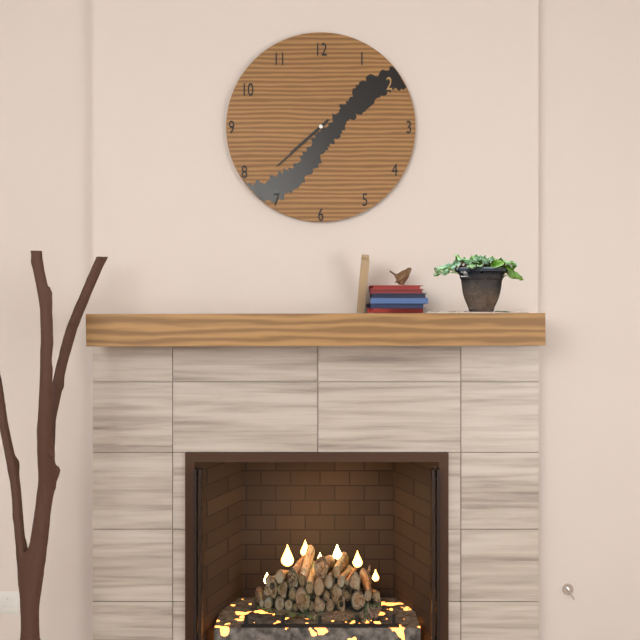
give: {"hour": 7, "minute": 38}
